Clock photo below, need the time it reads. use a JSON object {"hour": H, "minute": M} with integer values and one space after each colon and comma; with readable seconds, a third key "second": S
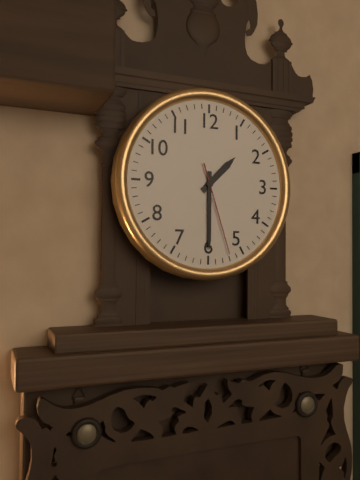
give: {"hour": 1, "minute": 30, "second": 27}
